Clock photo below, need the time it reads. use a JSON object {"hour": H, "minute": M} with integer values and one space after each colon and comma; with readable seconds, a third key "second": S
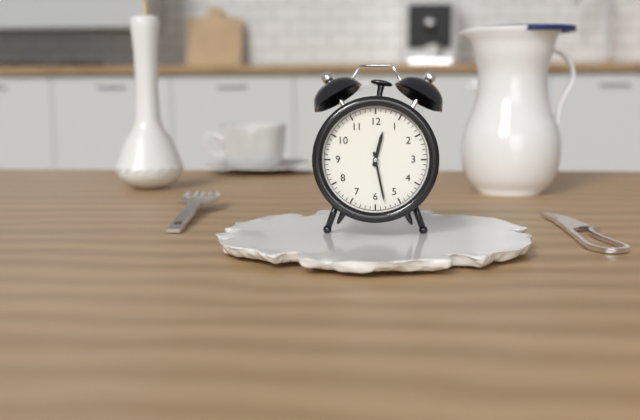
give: {"hour": 12, "minute": 28}
